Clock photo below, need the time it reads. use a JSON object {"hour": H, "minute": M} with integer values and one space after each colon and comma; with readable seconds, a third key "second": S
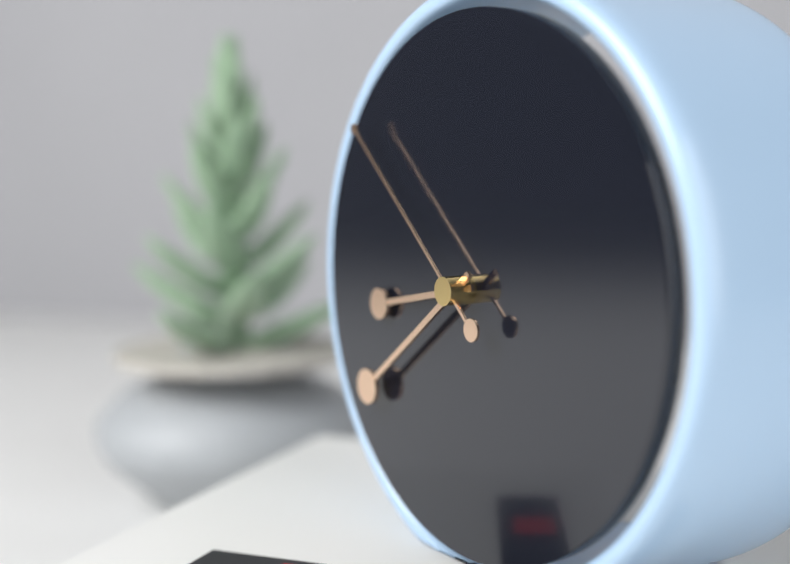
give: {"hour": 8, "minute": 39, "second": 52}
